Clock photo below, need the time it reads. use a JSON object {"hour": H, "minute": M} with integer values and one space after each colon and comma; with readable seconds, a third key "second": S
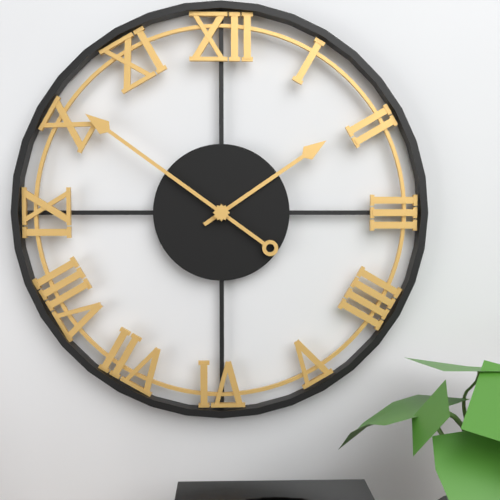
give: {"hour": 1, "minute": 51}
